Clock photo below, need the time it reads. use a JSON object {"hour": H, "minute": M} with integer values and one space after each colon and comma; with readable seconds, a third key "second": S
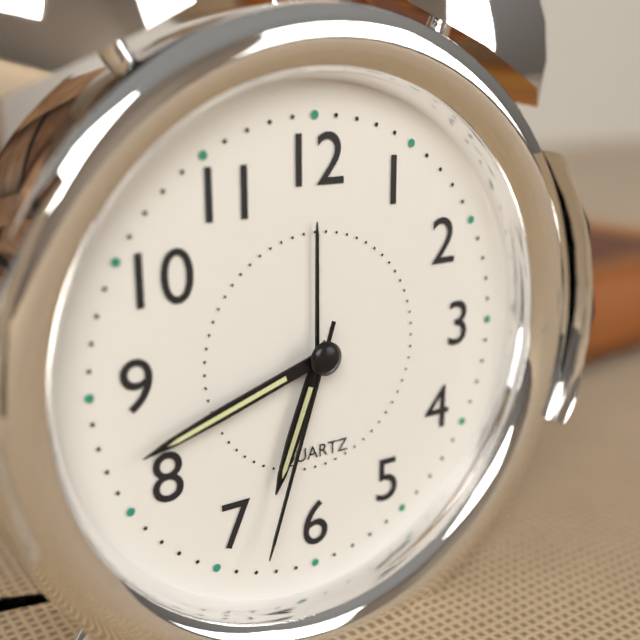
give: {"hour": 6, "minute": 42, "second": 33}
